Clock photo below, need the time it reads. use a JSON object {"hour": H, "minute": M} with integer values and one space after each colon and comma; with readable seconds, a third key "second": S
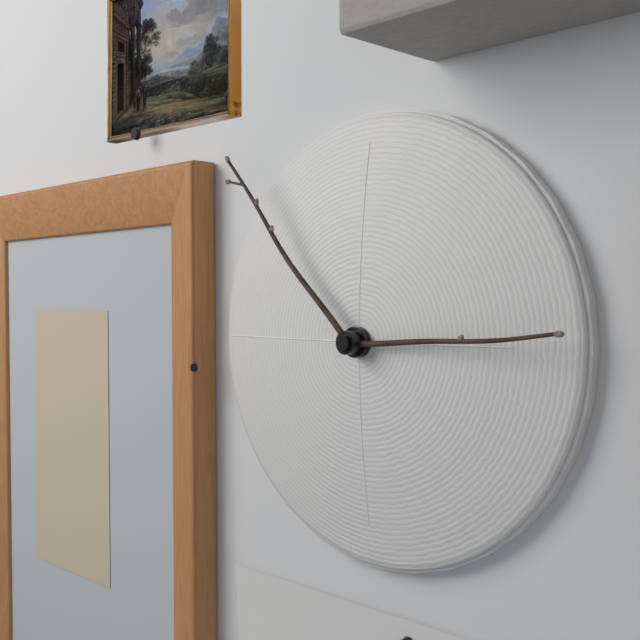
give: {"hour": 2, "minute": 53}
